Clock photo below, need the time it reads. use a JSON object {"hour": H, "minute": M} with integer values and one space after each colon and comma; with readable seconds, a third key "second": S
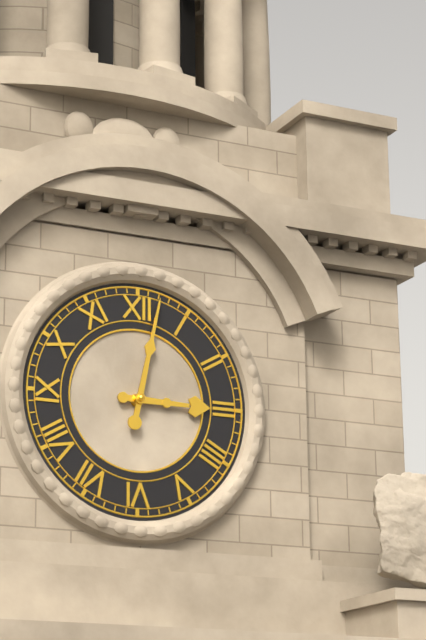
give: {"hour": 3, "minute": 2}
